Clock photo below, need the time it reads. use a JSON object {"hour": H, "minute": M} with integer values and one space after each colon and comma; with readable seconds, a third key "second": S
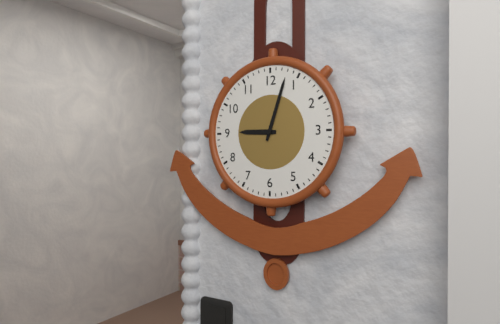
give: {"hour": 9, "minute": 3}
